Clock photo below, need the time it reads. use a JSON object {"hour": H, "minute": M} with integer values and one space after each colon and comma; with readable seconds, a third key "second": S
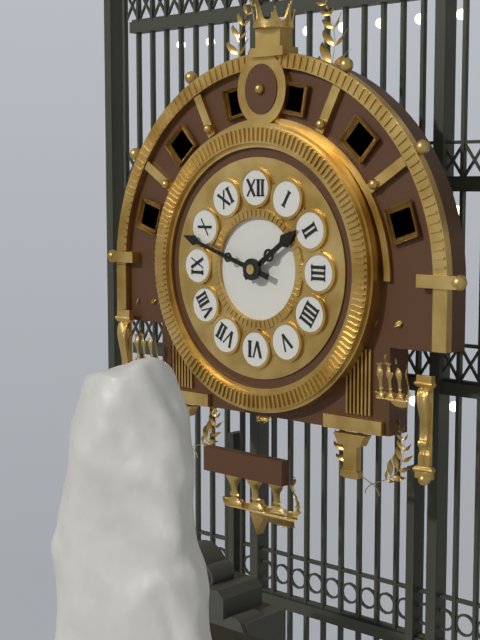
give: {"hour": 1, "minute": 48}
